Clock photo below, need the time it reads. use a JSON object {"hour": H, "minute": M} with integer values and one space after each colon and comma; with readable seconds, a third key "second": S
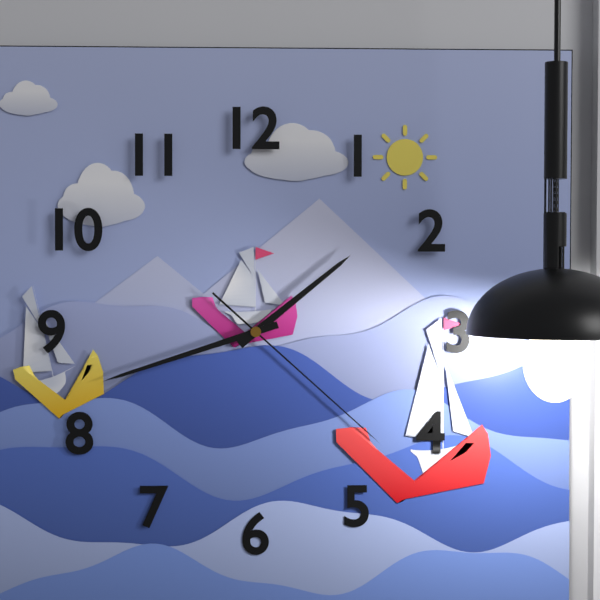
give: {"hour": 1, "minute": 42, "second": 22}
